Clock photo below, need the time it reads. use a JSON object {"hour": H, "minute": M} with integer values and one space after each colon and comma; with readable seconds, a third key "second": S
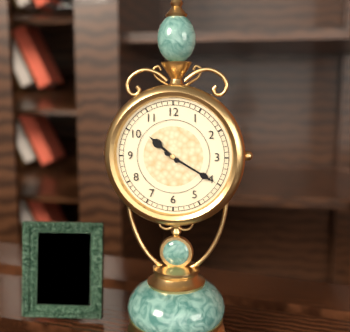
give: {"hour": 10, "minute": 20}
